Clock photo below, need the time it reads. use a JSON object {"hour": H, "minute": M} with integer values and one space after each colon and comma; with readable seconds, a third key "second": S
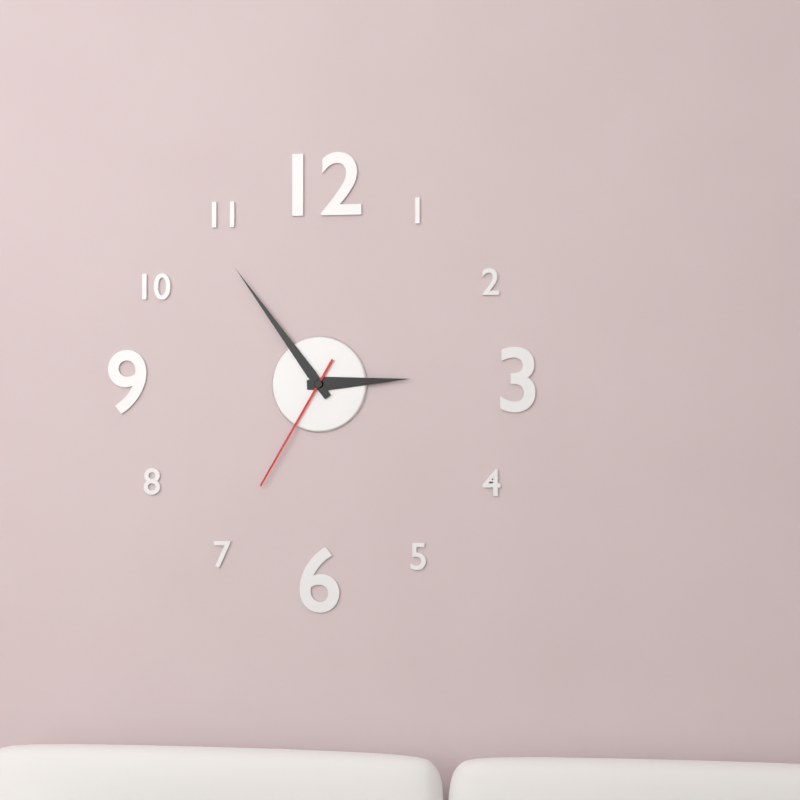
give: {"hour": 2, "minute": 54, "second": 35}
